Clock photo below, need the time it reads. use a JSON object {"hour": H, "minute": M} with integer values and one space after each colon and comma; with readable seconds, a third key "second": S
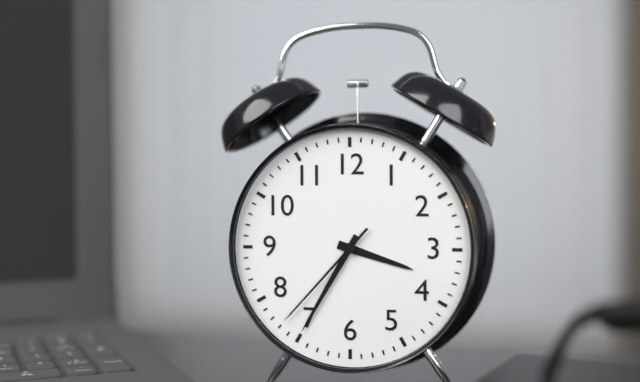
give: {"hour": 3, "minute": 35, "second": 37}
